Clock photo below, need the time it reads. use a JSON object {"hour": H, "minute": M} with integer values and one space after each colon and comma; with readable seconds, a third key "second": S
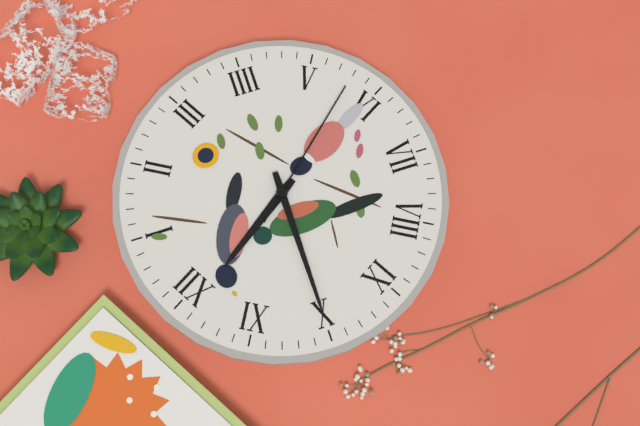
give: {"hour": 11, "minute": 50, "second": 28}
